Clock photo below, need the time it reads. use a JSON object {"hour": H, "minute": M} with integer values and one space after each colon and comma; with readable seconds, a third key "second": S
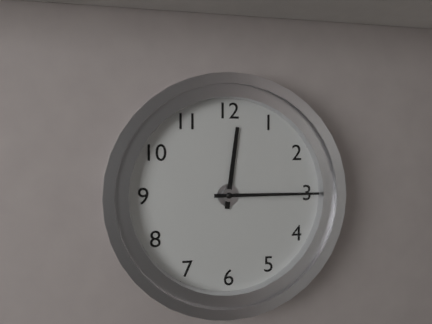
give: {"hour": 12, "minute": 15}
